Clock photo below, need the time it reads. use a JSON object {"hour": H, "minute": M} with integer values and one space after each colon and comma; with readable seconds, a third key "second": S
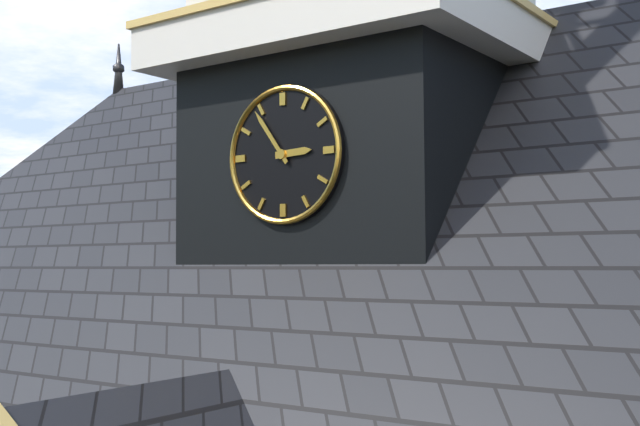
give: {"hour": 2, "minute": 54}
